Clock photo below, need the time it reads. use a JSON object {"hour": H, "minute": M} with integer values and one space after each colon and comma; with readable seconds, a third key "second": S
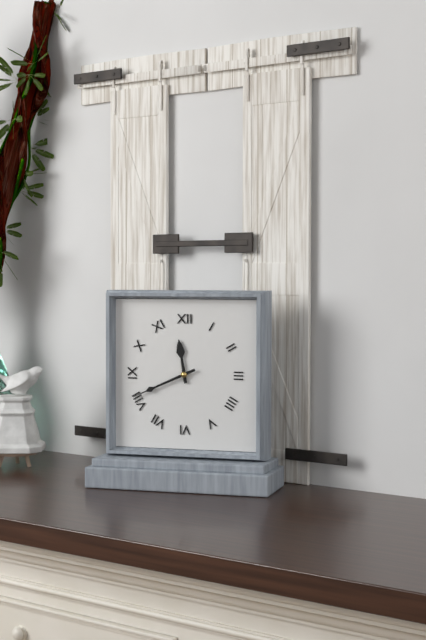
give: {"hour": 11, "minute": 41}
